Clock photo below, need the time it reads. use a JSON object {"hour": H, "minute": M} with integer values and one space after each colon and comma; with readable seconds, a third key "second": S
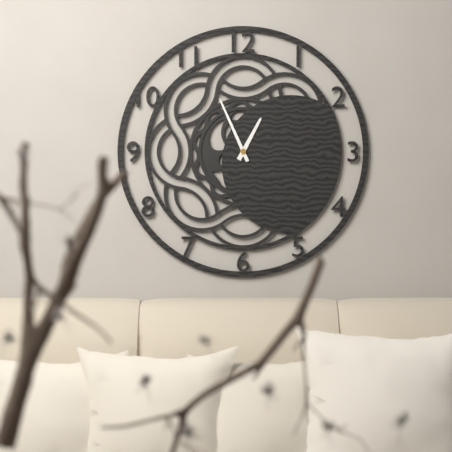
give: {"hour": 12, "minute": 56}
